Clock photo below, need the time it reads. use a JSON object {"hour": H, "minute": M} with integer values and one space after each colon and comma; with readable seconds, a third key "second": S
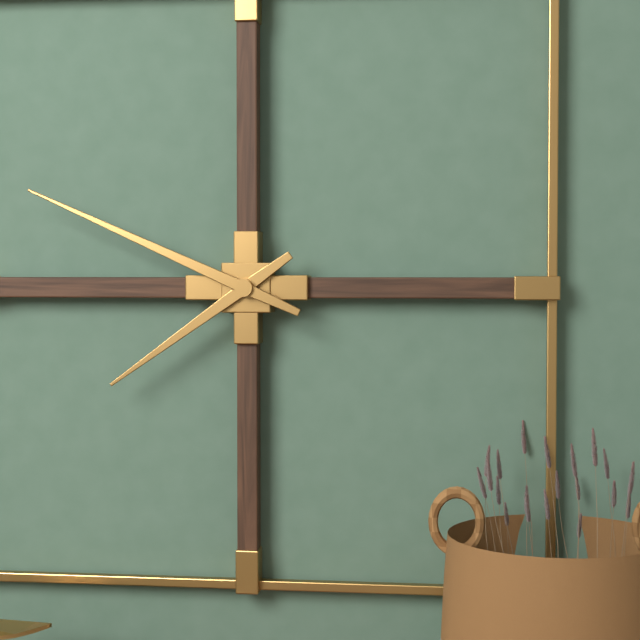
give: {"hour": 7, "minute": 49}
